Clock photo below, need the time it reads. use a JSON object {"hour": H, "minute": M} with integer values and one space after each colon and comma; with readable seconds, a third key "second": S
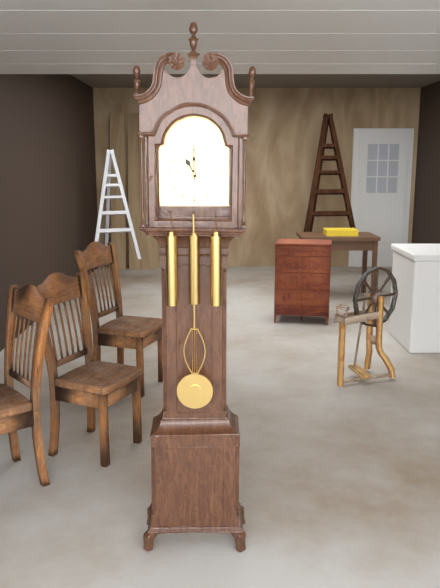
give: {"hour": 11, "minute": 0}
